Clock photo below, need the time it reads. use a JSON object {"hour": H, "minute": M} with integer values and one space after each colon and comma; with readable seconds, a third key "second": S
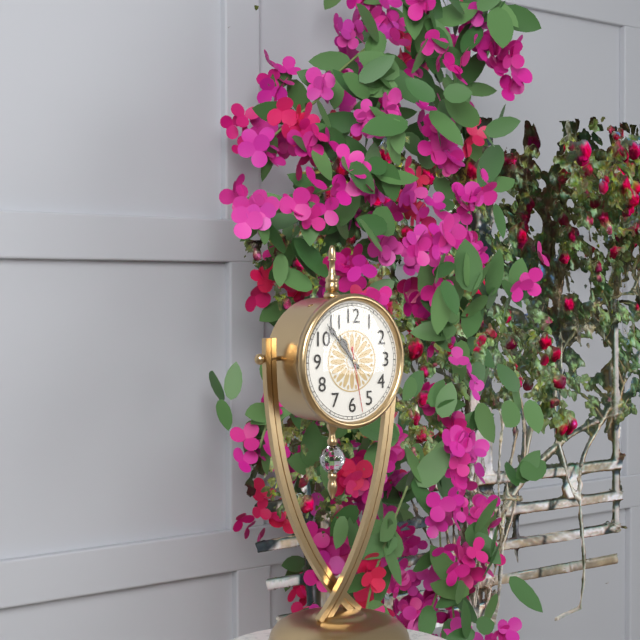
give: {"hour": 10, "minute": 53, "second": 28}
